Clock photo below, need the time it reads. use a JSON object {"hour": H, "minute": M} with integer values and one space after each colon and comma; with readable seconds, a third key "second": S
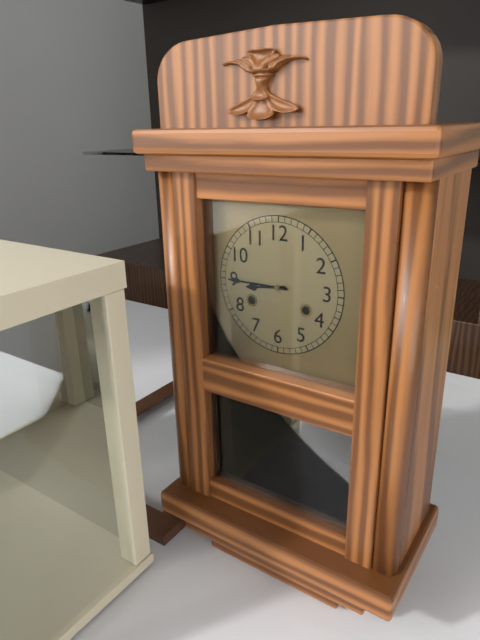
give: {"hour": 8, "minute": 45}
